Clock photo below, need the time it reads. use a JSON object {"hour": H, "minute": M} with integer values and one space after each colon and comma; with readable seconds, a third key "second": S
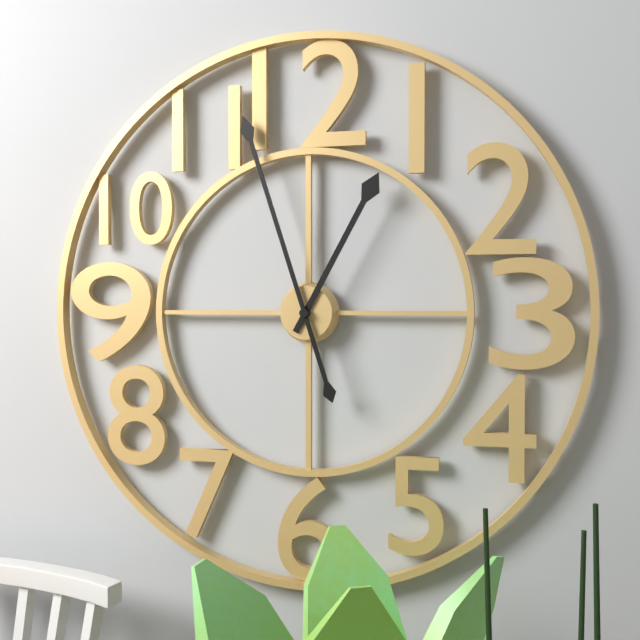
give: {"hour": 12, "minute": 57}
